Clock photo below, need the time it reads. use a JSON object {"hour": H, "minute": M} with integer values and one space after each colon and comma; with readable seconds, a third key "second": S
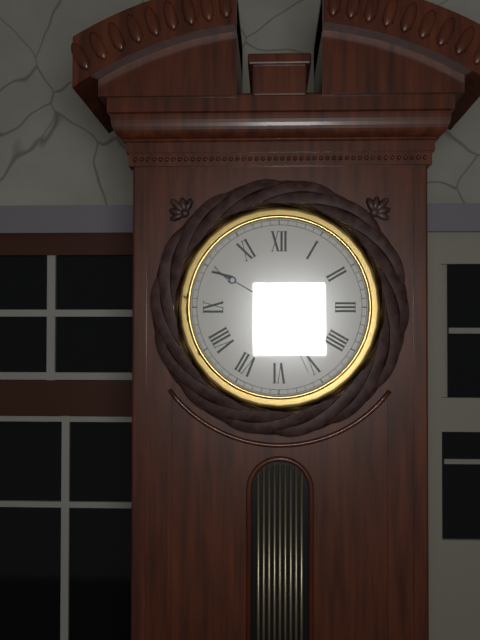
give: {"hour": 3, "minute": 50, "second": 26}
